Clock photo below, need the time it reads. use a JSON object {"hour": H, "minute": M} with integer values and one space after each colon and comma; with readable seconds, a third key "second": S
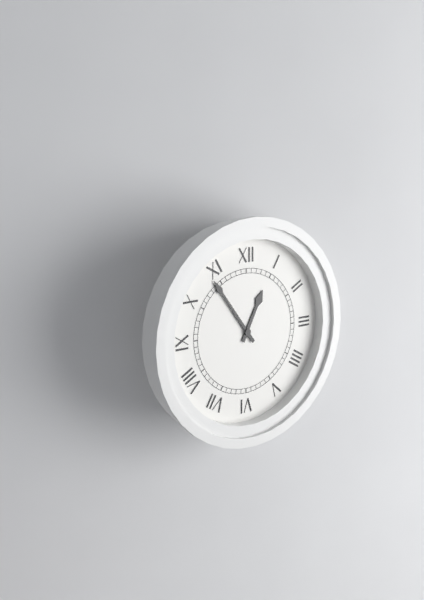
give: {"hour": 12, "minute": 54}
